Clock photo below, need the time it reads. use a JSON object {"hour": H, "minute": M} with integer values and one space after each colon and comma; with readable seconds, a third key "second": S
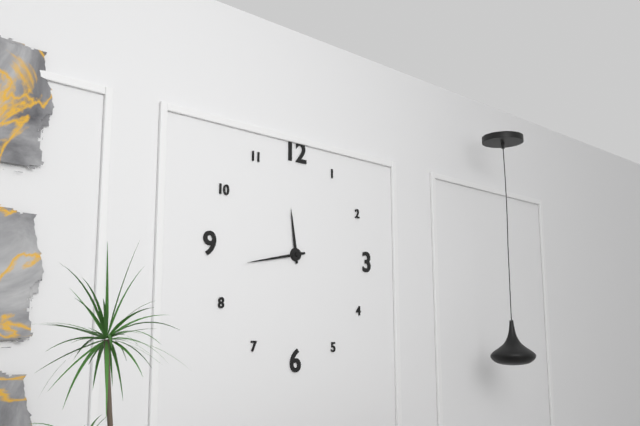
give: {"hour": 11, "minute": 43}
